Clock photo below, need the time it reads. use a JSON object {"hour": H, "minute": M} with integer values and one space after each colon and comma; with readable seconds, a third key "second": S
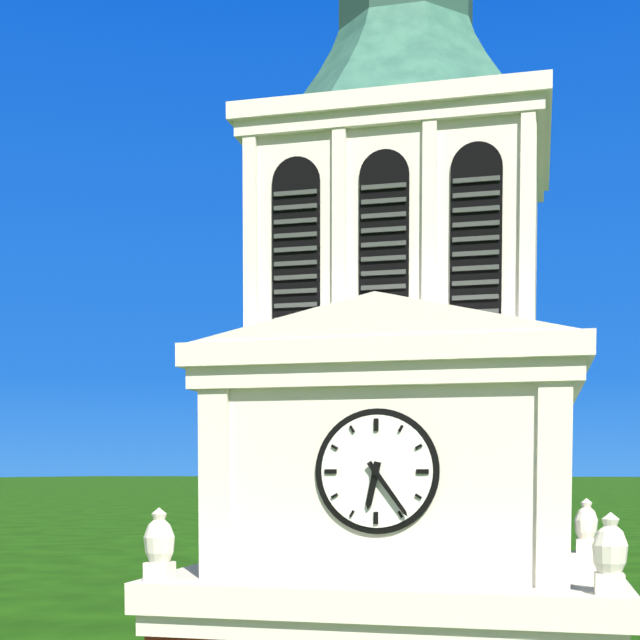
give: {"hour": 6, "minute": 24}
